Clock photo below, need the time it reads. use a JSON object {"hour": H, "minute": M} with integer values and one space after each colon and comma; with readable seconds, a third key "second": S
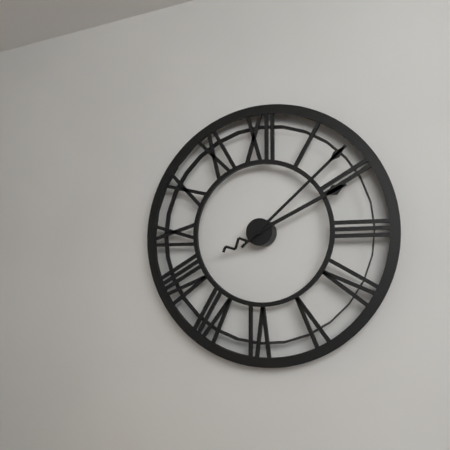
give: {"hour": 2, "minute": 8}
